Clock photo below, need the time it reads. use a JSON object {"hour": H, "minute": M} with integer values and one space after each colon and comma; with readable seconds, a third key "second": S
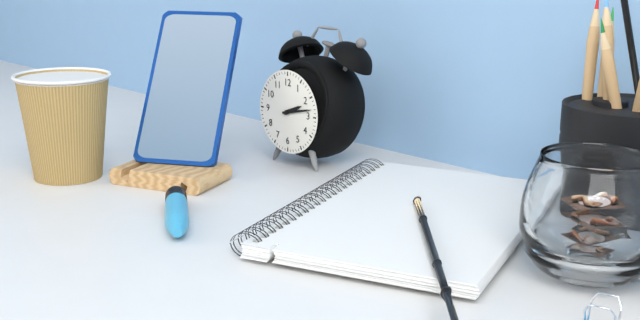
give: {"hour": 2, "minute": 13}
